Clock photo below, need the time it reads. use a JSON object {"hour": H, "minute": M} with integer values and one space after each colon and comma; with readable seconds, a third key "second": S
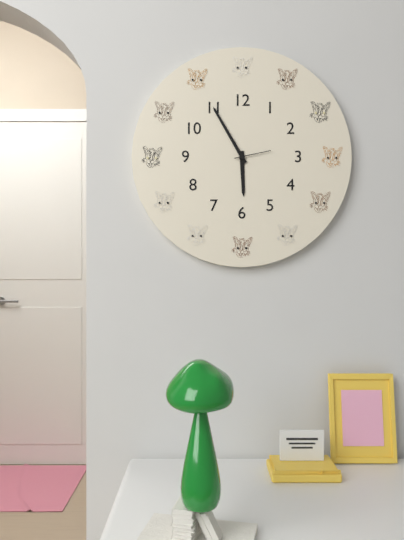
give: {"hour": 5, "minute": 55}
